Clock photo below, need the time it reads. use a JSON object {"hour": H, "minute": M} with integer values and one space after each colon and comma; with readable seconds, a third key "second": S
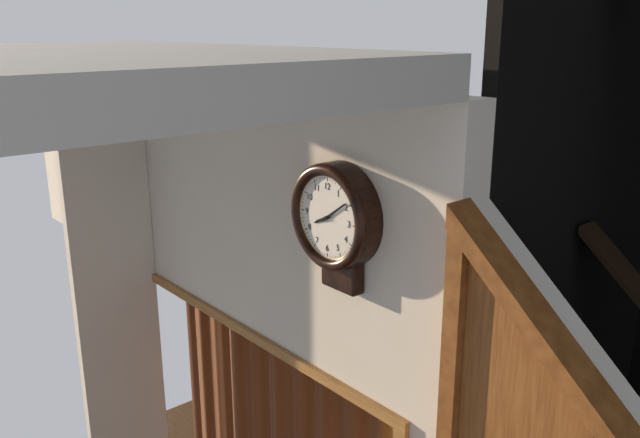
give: {"hour": 8, "minute": 9}
